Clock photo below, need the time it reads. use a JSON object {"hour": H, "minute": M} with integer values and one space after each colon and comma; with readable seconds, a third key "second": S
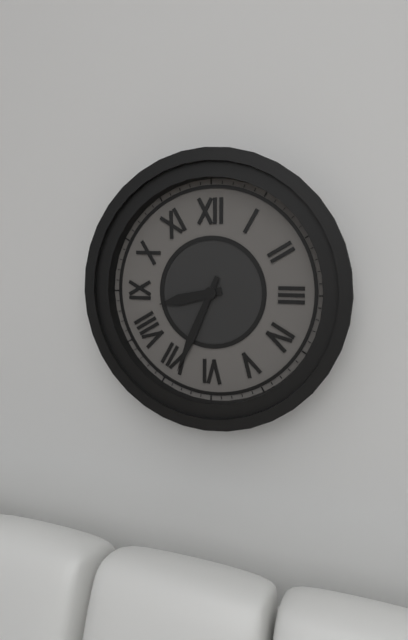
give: {"hour": 8, "minute": 34}
